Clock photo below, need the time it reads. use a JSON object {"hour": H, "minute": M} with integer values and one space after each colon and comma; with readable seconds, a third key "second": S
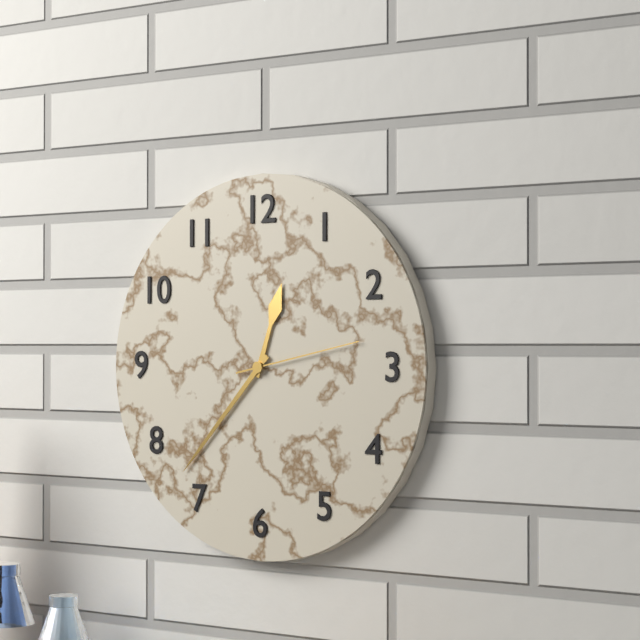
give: {"hour": 12, "minute": 37, "second": 13}
